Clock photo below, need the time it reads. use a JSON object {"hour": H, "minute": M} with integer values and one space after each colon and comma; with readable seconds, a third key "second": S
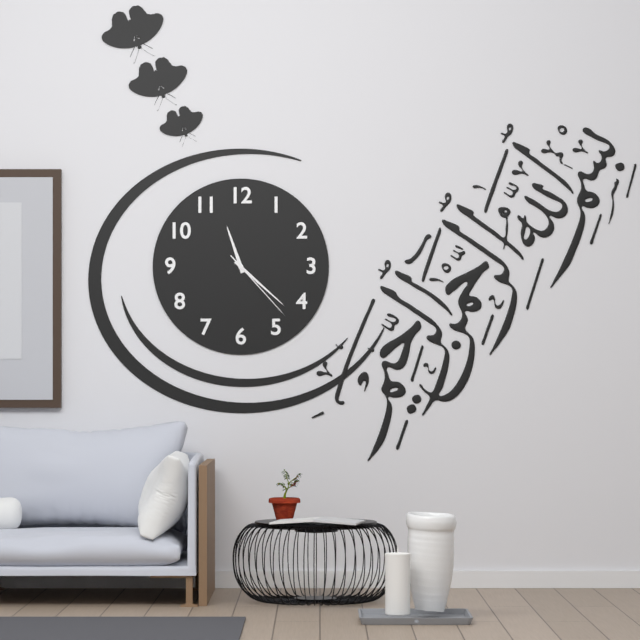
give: {"hour": 11, "minute": 22, "second": 23}
